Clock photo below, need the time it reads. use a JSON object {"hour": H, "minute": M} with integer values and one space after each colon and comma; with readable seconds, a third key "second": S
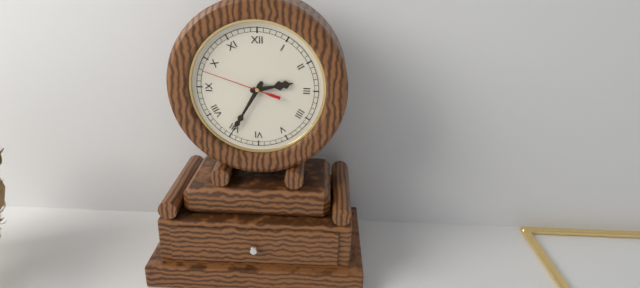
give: {"hour": 2, "minute": 35, "second": 48}
